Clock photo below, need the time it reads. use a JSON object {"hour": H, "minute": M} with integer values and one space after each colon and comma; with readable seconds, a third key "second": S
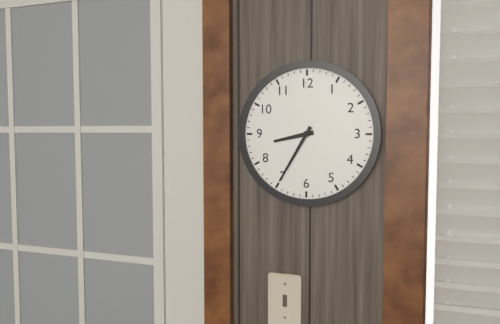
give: {"hour": 8, "minute": 35}
